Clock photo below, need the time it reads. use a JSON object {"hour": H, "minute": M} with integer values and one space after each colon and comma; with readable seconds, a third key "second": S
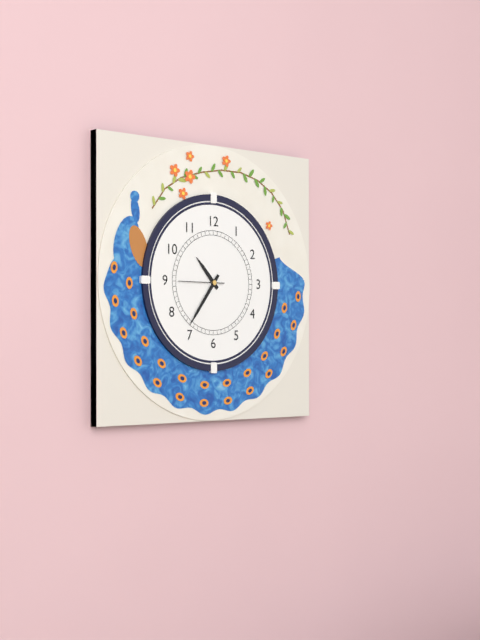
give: {"hour": 10, "minute": 36}
